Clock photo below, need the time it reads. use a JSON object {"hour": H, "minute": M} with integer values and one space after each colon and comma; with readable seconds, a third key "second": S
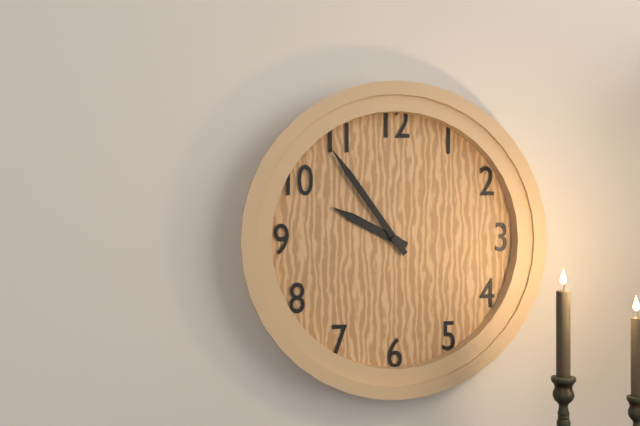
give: {"hour": 9, "minute": 54}
